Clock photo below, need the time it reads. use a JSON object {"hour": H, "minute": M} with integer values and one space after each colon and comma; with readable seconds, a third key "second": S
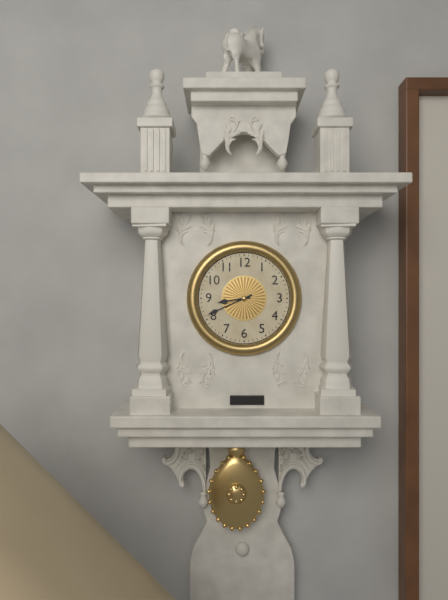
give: {"hour": 8, "minute": 41}
